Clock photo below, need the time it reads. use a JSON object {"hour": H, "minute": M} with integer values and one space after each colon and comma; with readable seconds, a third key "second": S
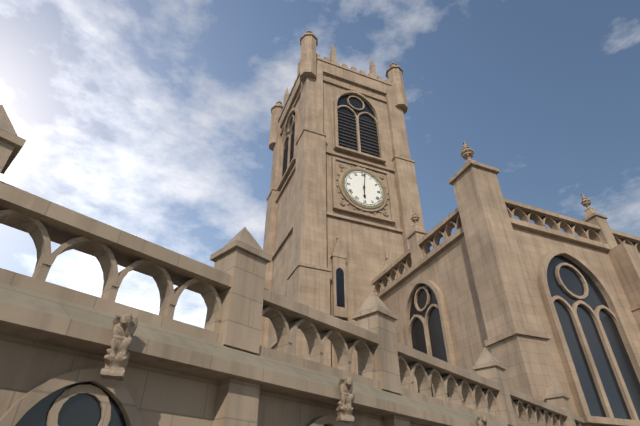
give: {"hour": 6, "minute": 1}
